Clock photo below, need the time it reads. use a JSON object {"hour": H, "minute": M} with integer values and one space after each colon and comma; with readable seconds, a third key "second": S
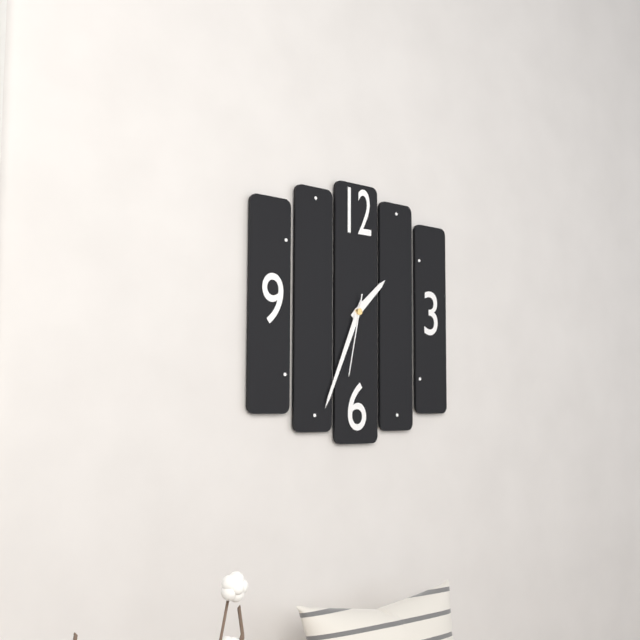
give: {"hour": 1, "minute": 34, "second": 32}
